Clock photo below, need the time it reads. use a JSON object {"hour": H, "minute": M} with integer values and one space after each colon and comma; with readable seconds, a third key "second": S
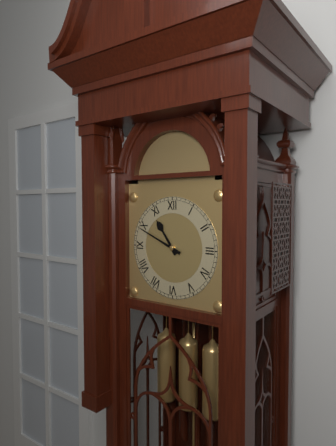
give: {"hour": 10, "minute": 49}
